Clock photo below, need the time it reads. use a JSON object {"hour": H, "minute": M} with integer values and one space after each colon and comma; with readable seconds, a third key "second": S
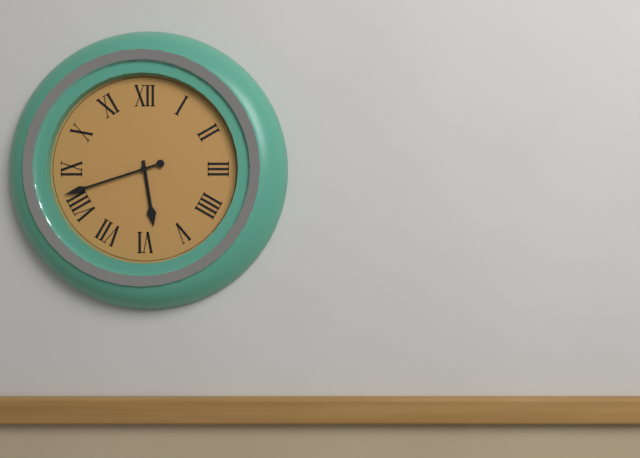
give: {"hour": 5, "minute": 42}
